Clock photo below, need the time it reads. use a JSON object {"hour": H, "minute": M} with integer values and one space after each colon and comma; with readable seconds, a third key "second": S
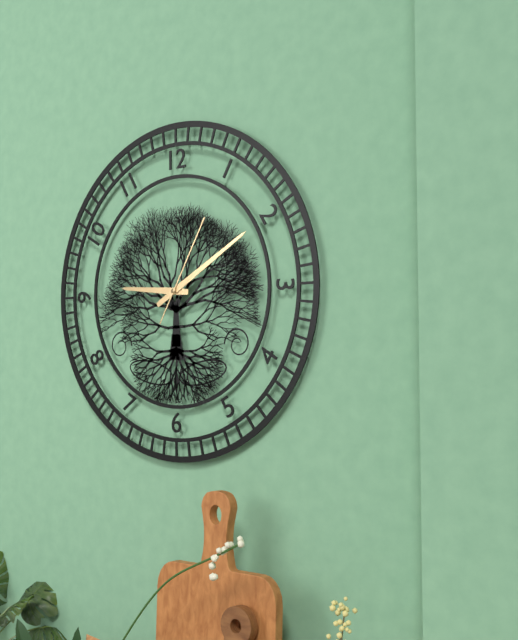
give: {"hour": 9, "minute": 10, "second": 5}
